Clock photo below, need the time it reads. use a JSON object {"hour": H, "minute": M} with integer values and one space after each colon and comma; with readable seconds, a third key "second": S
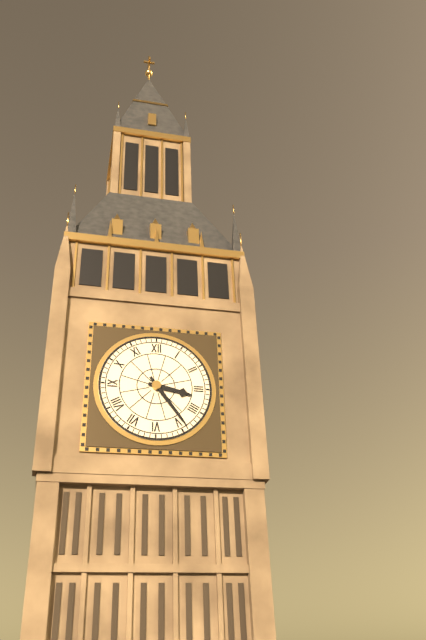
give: {"hour": 3, "minute": 24}
